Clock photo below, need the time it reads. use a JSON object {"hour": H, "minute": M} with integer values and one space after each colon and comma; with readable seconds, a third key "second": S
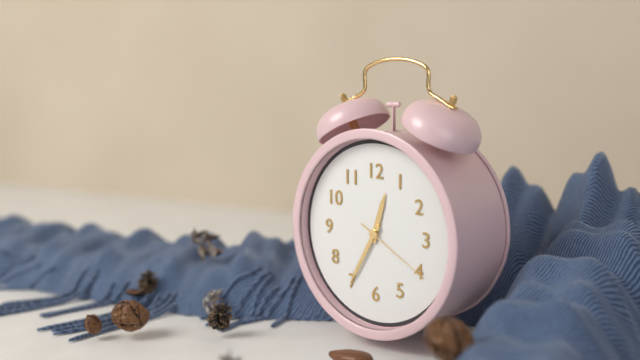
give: {"hour": 12, "minute": 35, "second": 20}
